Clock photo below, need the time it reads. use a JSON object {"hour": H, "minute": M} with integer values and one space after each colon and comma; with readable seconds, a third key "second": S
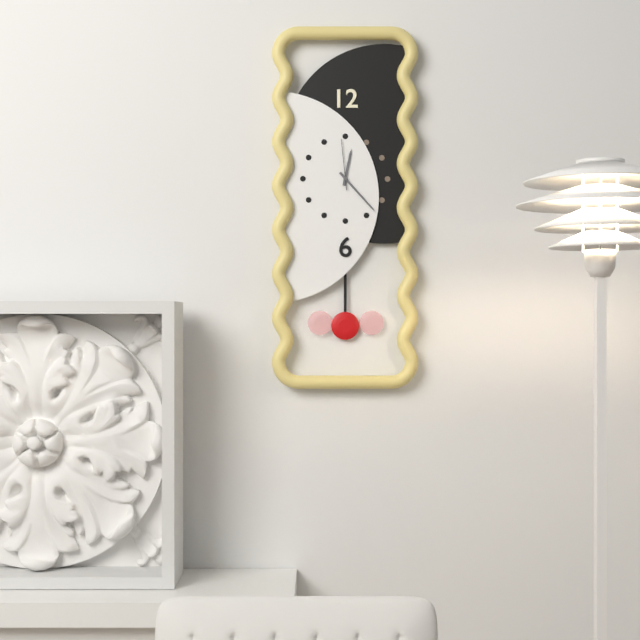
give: {"hour": 12, "minute": 23}
